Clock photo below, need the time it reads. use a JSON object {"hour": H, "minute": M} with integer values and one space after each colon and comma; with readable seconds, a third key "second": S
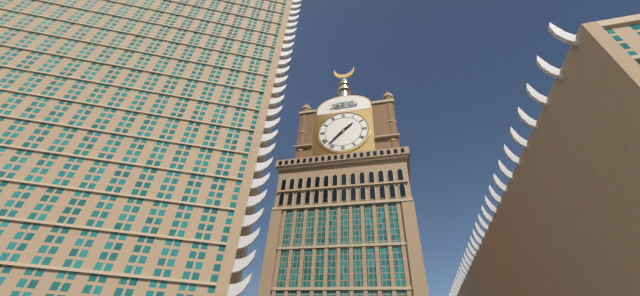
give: {"hour": 1, "minute": 37}
